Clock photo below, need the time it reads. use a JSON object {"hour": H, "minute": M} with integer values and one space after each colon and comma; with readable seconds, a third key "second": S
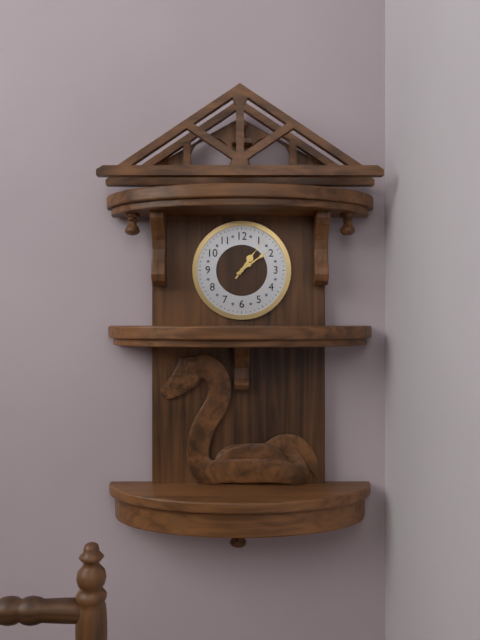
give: {"hour": 1, "minute": 9}
